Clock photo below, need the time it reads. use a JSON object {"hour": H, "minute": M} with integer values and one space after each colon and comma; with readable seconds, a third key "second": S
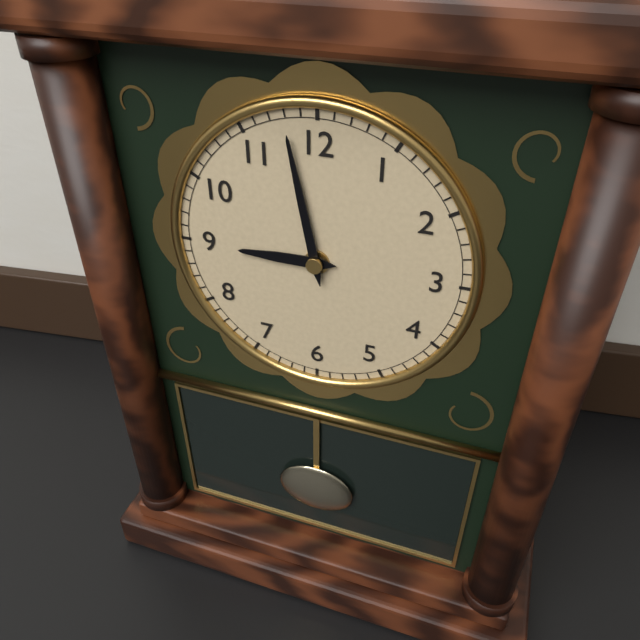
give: {"hour": 8, "minute": 58}
